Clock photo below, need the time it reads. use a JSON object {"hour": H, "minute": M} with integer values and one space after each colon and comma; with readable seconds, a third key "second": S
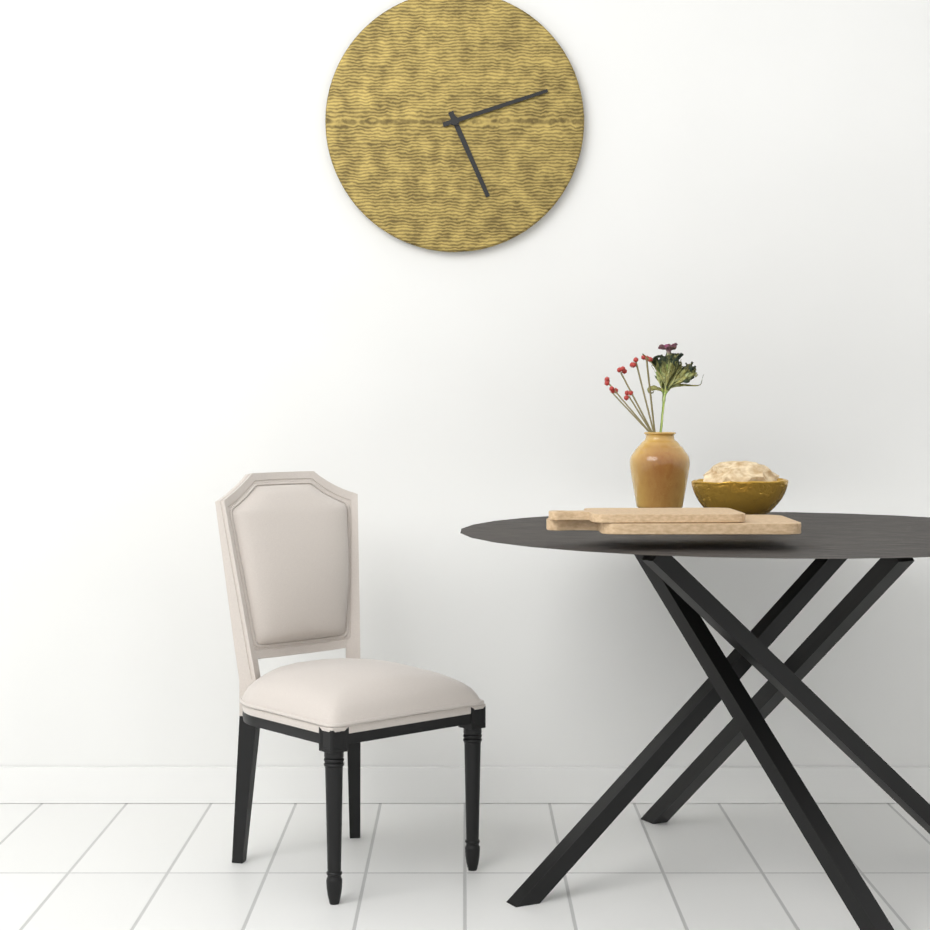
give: {"hour": 5, "minute": 12}
